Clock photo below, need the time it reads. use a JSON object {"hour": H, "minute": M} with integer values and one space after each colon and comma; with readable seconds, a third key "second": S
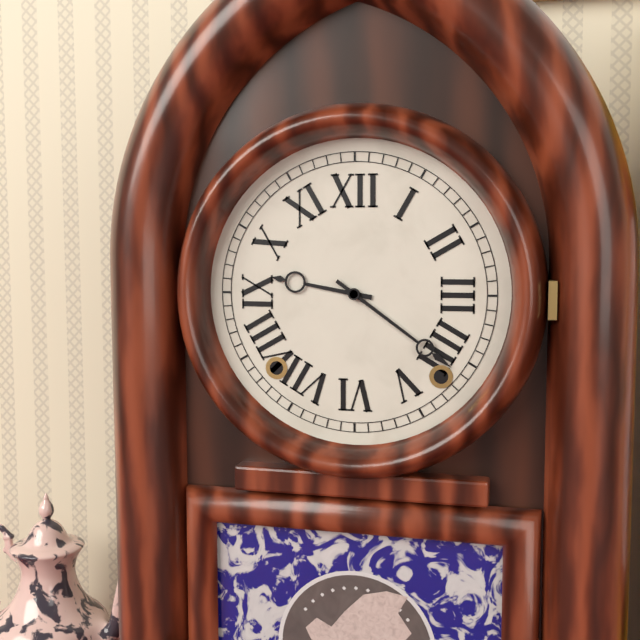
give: {"hour": 9, "minute": 21}
